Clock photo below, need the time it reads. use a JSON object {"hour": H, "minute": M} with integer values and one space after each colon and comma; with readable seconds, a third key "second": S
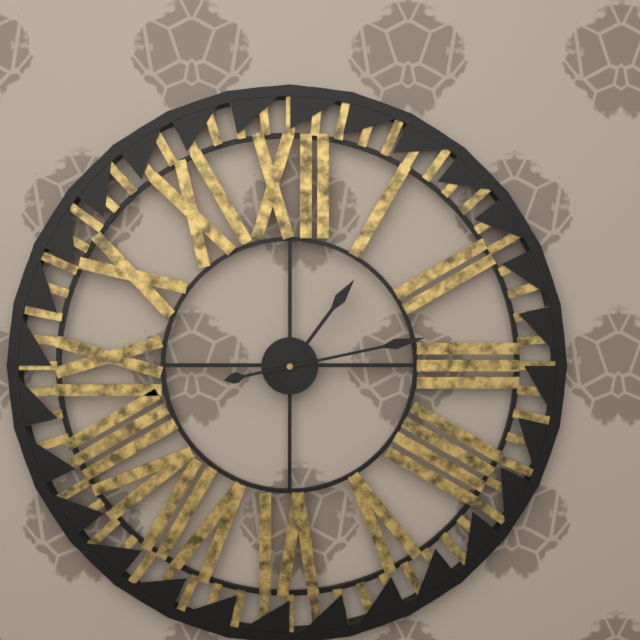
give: {"hour": 1, "minute": 13}
